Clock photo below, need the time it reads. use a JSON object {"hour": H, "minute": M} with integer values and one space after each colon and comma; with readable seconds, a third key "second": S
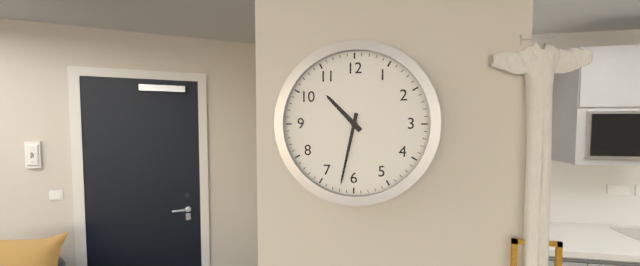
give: {"hour": 10, "minute": 32}
